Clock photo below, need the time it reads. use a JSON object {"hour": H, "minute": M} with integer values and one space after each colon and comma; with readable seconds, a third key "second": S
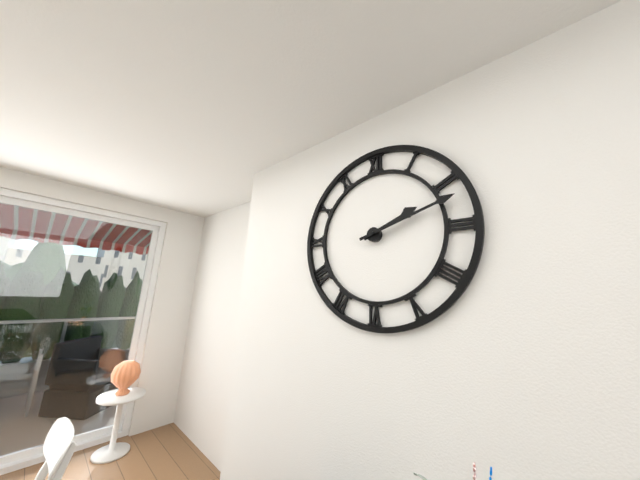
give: {"hour": 2, "minute": 12}
